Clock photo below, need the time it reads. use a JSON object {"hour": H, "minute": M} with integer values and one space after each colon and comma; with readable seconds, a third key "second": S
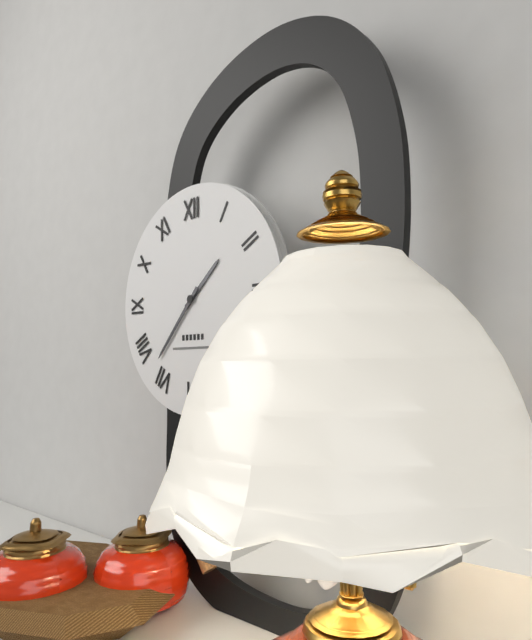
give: {"hour": 1, "minute": 37}
